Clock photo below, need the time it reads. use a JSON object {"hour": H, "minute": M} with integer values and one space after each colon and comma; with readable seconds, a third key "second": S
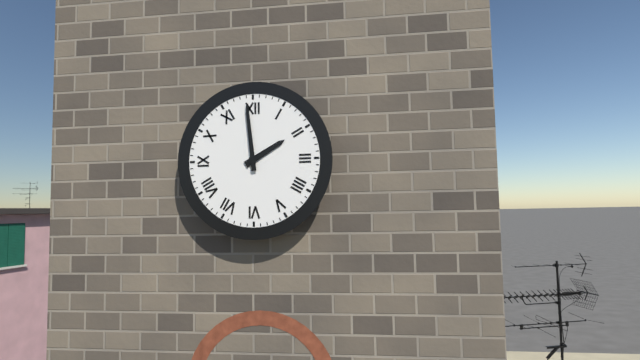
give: {"hour": 1, "minute": 59}
